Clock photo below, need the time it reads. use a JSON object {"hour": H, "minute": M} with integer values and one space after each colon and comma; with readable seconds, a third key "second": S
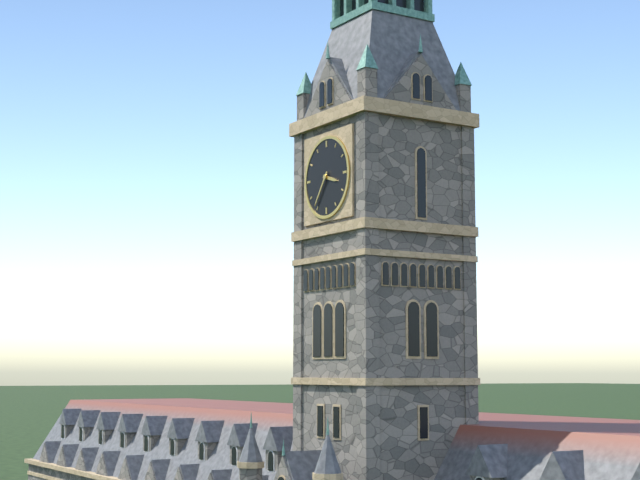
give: {"hour": 3, "minute": 36}
